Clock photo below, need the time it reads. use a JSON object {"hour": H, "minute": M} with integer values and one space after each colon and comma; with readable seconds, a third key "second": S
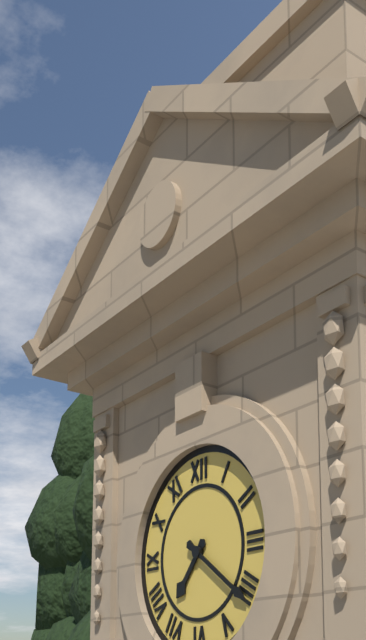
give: {"hour": 7, "minute": 21}
